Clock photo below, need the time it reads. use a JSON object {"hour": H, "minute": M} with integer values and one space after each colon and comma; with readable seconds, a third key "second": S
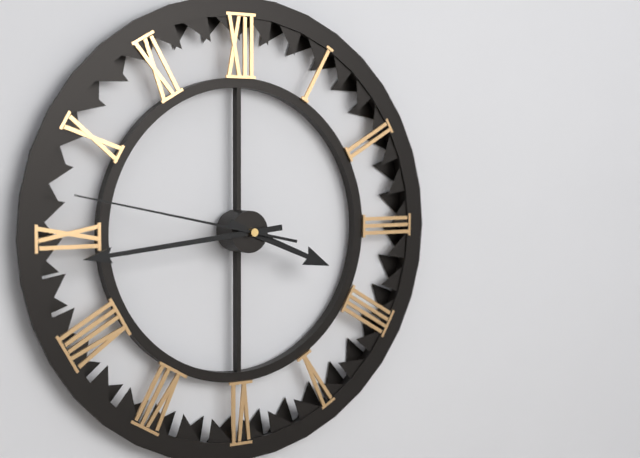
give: {"hour": 3, "minute": 44, "second": 47}
